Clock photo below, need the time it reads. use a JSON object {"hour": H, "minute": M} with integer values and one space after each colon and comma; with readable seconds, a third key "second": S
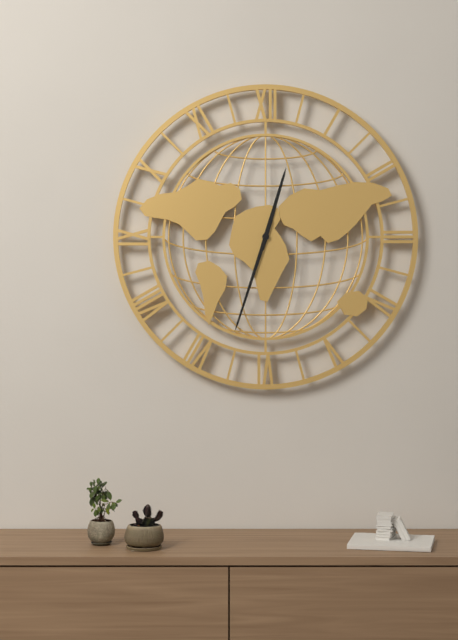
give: {"hour": 12, "minute": 33}
